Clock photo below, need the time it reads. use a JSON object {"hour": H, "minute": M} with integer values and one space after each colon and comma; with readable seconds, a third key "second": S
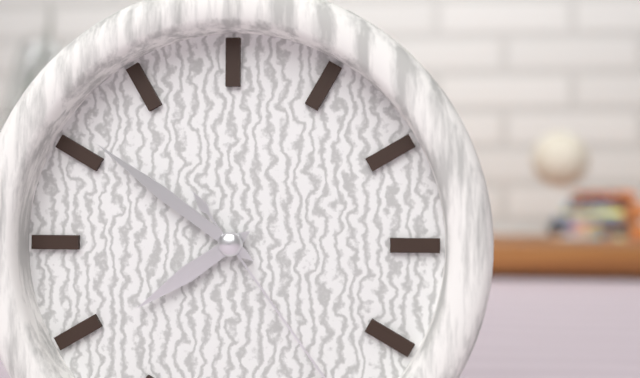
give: {"hour": 7, "minute": 51}
